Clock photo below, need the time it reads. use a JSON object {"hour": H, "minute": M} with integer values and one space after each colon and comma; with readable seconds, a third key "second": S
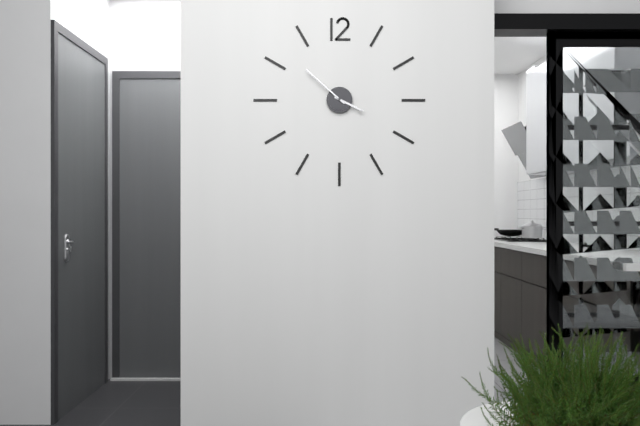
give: {"hour": 3, "minute": 52}
